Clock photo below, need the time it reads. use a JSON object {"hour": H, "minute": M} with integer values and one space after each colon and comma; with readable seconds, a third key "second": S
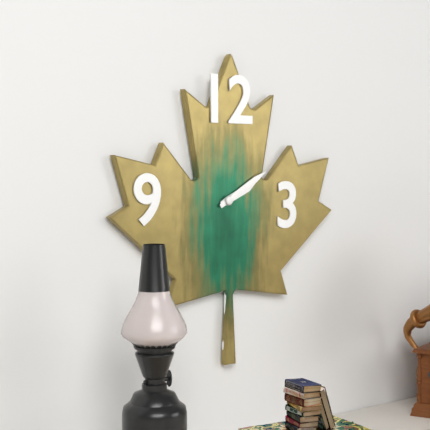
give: {"hour": 2, "minute": 10}
